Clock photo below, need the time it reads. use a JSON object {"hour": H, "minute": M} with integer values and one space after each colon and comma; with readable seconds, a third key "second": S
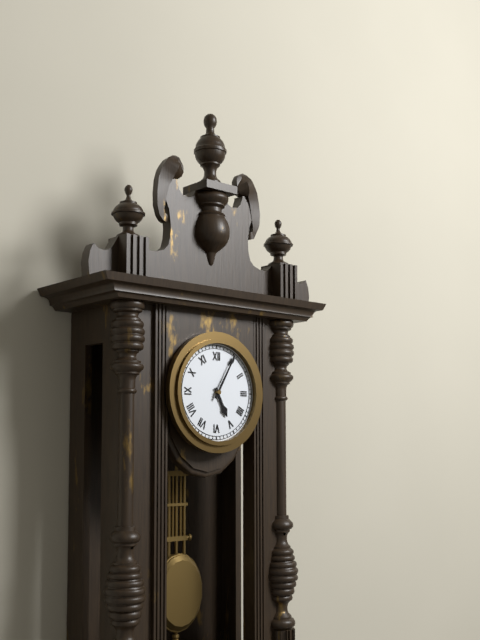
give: {"hour": 5, "minute": 5}
